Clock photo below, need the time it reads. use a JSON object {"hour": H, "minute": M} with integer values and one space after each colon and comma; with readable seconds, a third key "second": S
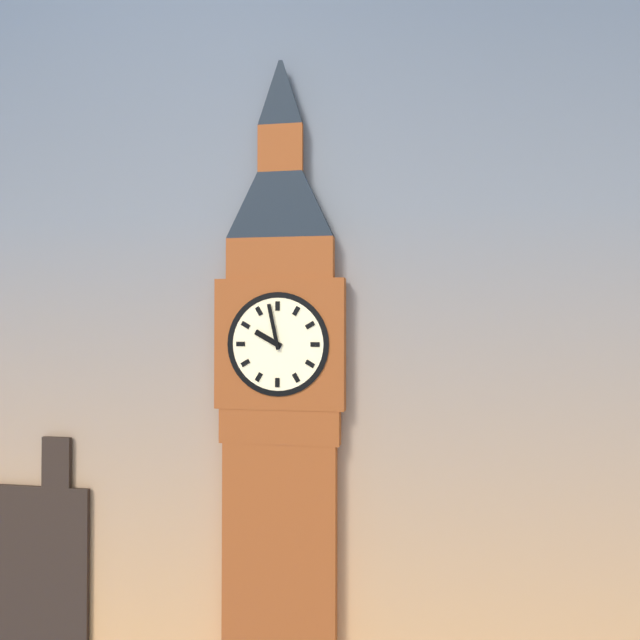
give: {"hour": 9, "minute": 58}
